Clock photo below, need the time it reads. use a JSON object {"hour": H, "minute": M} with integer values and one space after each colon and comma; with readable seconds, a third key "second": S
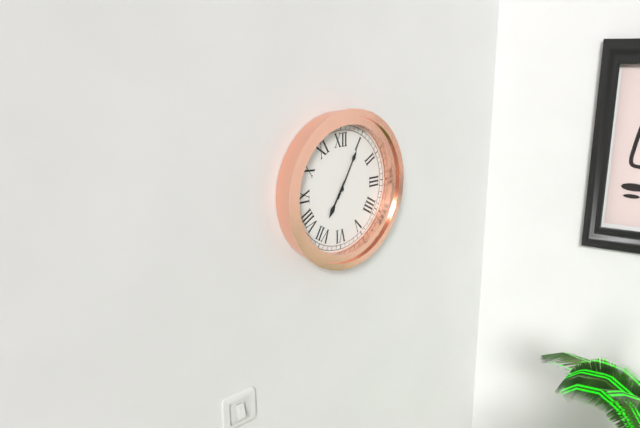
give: {"hour": 7, "minute": 5}
